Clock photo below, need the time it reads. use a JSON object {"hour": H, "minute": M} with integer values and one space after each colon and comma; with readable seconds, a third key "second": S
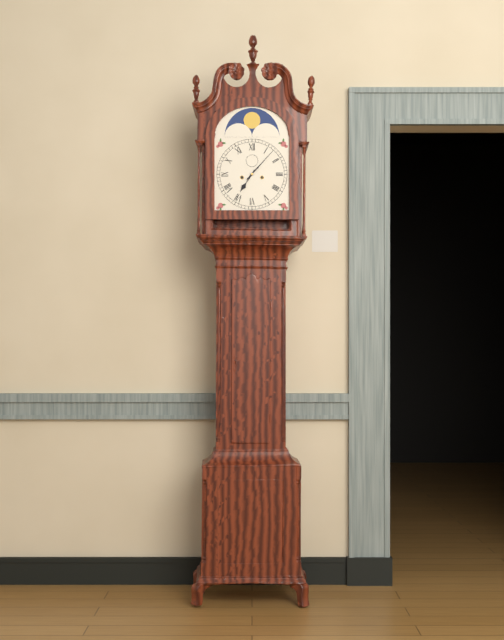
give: {"hour": 7, "minute": 7}
